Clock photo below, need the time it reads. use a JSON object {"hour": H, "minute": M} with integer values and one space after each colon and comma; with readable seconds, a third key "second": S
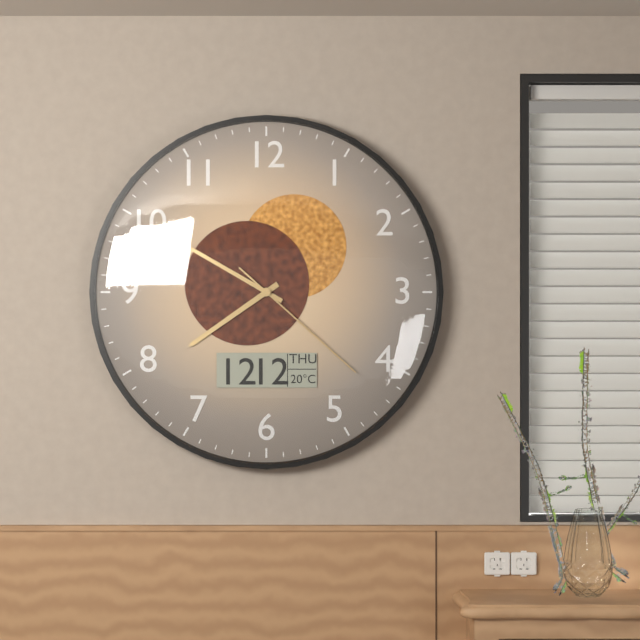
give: {"hour": 7, "minute": 50, "second": 22}
